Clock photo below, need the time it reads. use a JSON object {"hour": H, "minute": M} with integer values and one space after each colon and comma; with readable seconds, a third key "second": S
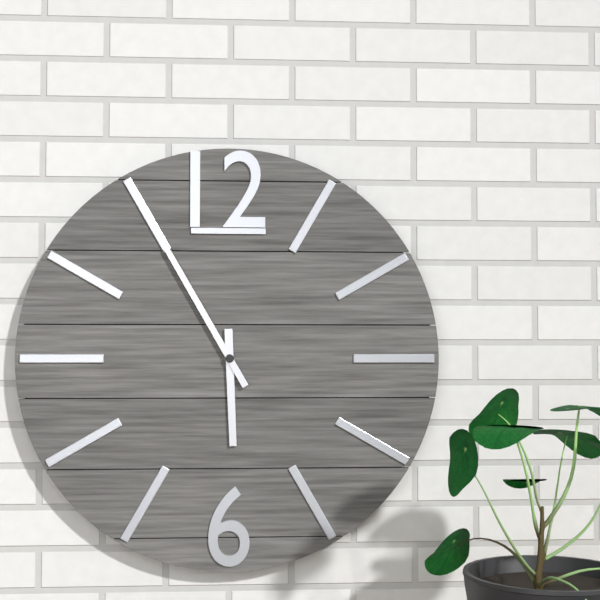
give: {"hour": 5, "minute": 55}
